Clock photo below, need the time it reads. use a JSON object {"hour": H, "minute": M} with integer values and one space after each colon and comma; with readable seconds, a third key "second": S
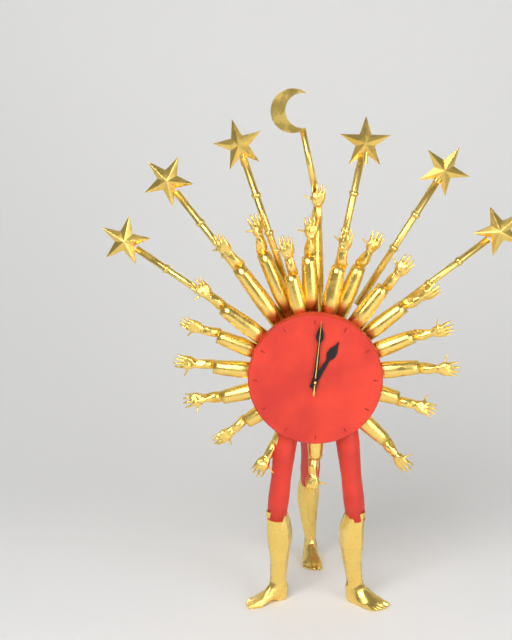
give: {"hour": 1, "minute": 1, "second": 1}
